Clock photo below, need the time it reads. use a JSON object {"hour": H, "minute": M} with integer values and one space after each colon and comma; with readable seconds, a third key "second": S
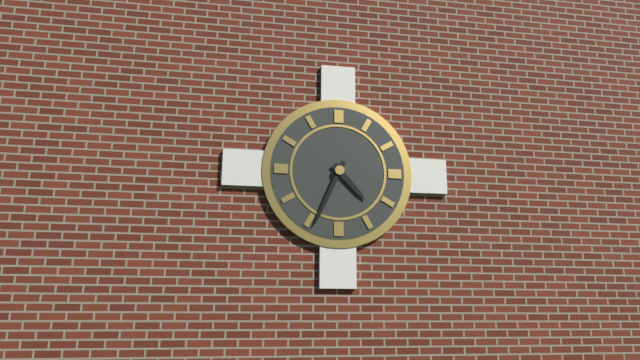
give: {"hour": 4, "minute": 34}
